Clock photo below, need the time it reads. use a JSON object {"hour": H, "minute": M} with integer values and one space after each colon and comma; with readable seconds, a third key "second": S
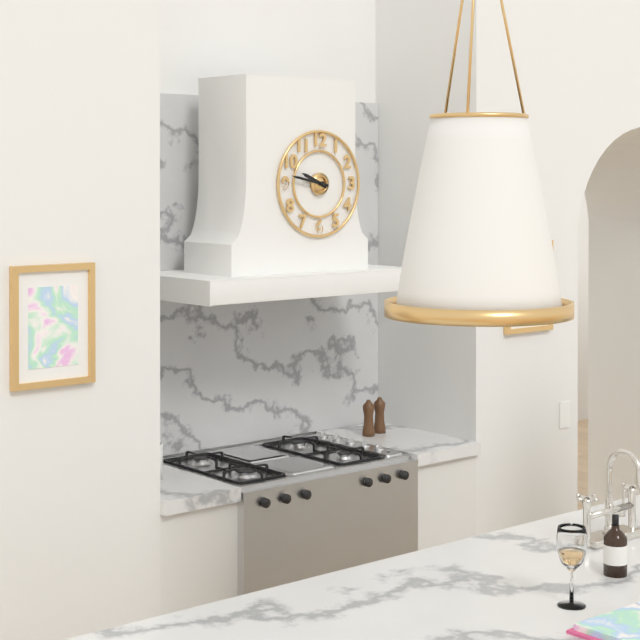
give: {"hour": 9, "minute": 47}
